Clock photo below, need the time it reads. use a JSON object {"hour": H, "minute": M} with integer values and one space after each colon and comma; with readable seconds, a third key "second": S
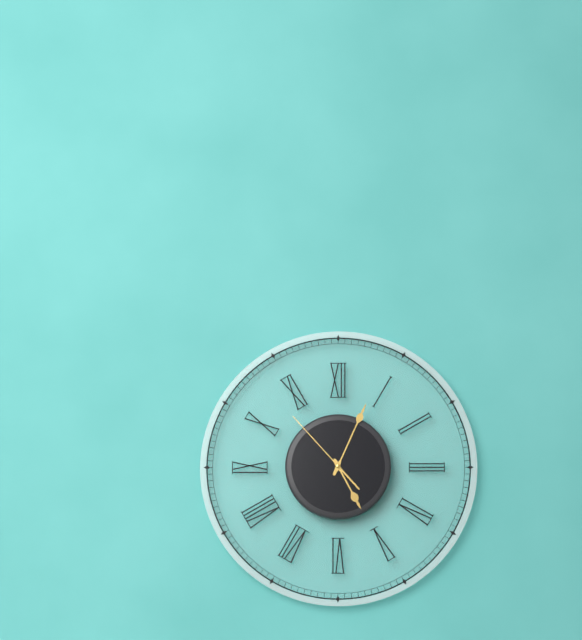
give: {"hour": 5, "minute": 4, "second": 53}
